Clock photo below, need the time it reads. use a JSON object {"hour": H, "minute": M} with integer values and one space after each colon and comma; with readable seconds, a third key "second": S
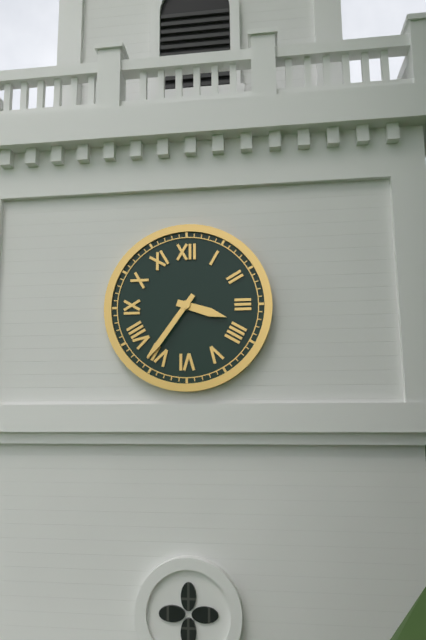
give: {"hour": 3, "minute": 36}
